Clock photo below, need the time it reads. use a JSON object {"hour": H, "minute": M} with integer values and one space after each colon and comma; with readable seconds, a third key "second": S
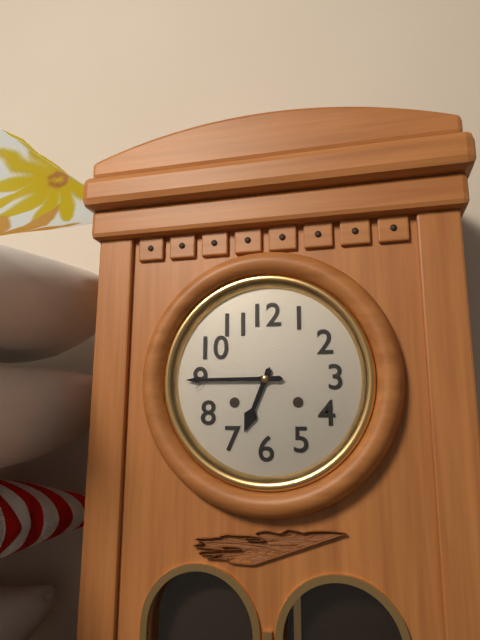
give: {"hour": 6, "minute": 45}
